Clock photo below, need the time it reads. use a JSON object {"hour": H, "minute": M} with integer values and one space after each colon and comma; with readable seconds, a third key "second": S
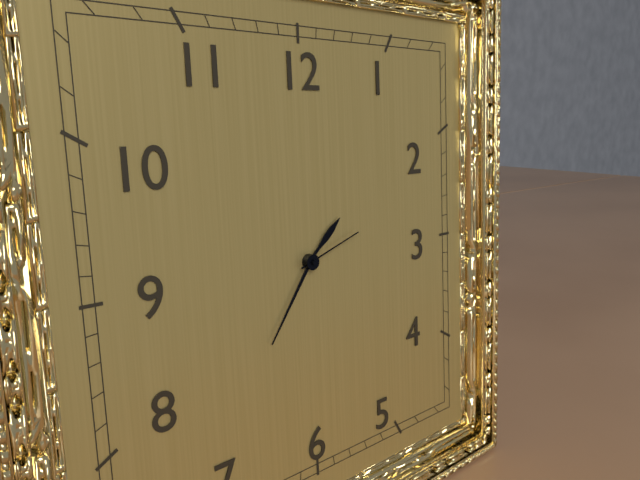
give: {"hour": 1, "minute": 36, "second": 12}
